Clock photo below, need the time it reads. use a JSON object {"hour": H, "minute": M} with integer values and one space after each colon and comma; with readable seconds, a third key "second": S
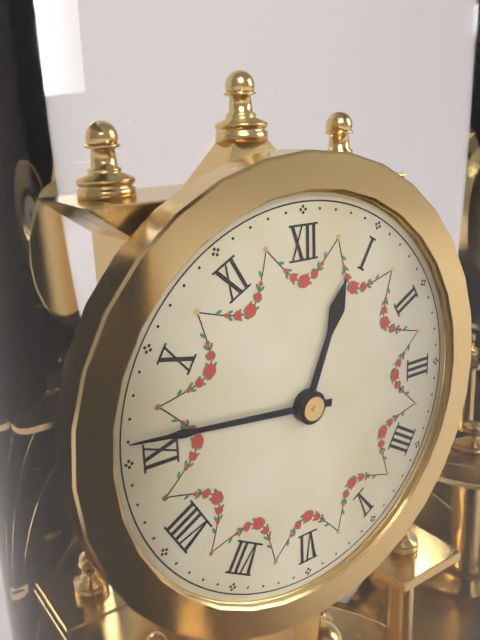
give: {"hour": 12, "minute": 46}
